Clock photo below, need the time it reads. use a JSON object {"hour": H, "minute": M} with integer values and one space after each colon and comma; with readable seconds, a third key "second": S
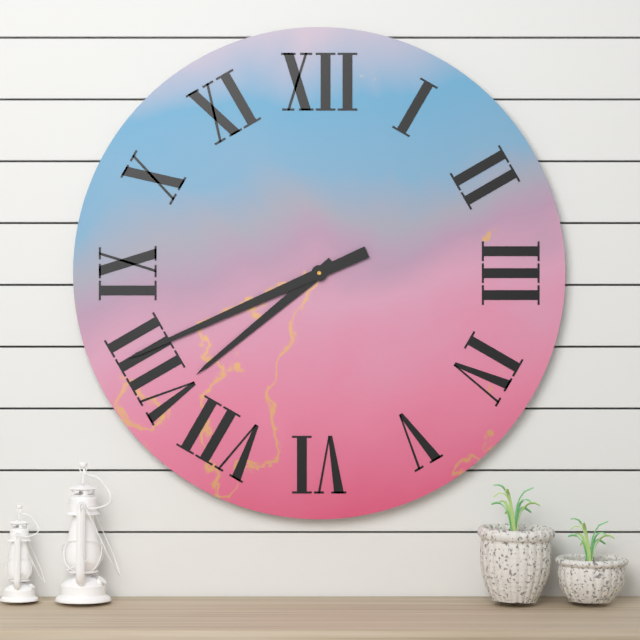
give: {"hour": 7, "minute": 41}
